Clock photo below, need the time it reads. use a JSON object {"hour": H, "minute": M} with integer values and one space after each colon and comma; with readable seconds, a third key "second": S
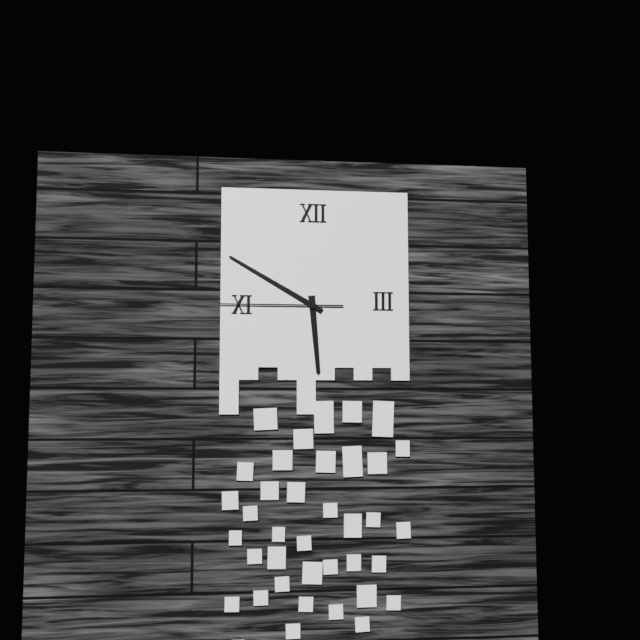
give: {"hour": 5, "minute": 50, "second": 45}
